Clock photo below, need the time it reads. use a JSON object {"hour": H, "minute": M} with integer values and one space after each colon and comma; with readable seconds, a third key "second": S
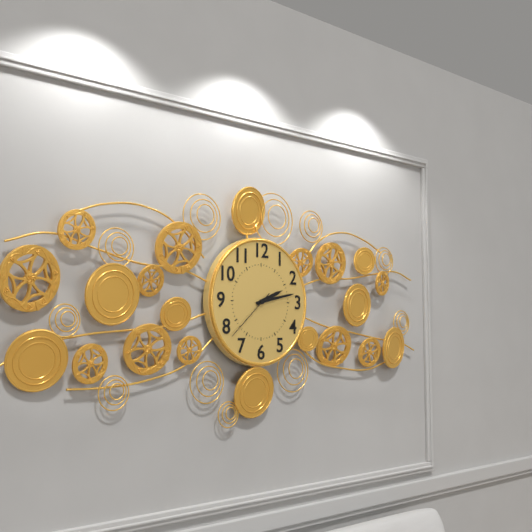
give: {"hour": 2, "minute": 13, "second": 38}
